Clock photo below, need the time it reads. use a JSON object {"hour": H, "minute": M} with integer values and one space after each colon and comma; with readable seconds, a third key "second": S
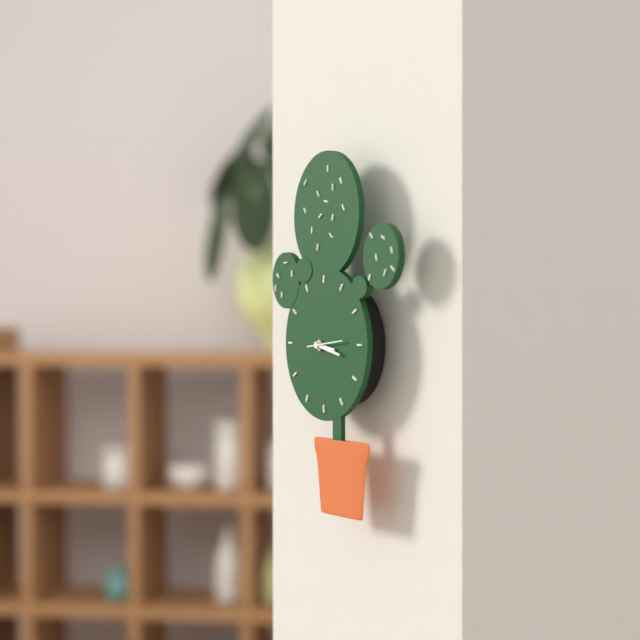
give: {"hour": 3, "minute": 17}
